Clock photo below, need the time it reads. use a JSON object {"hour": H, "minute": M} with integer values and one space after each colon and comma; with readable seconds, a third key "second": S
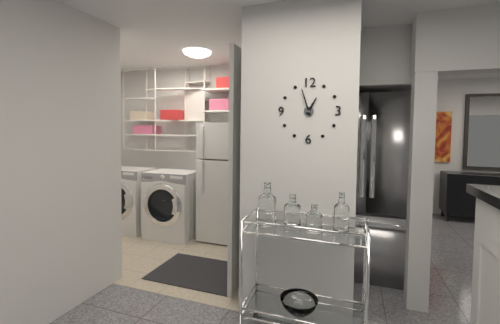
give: {"hour": 12, "minute": 57}
